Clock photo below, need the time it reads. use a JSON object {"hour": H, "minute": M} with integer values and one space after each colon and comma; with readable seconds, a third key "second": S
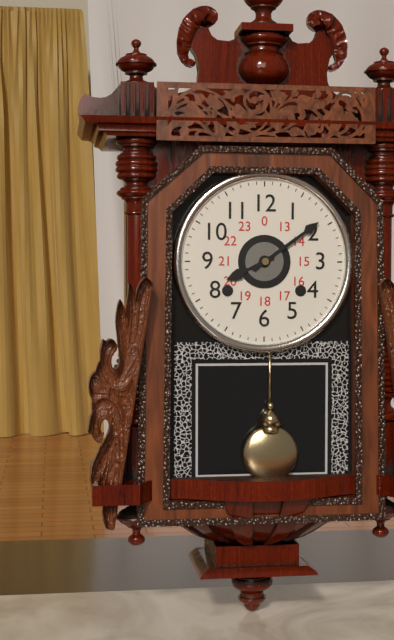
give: {"hour": 8, "minute": 9}
